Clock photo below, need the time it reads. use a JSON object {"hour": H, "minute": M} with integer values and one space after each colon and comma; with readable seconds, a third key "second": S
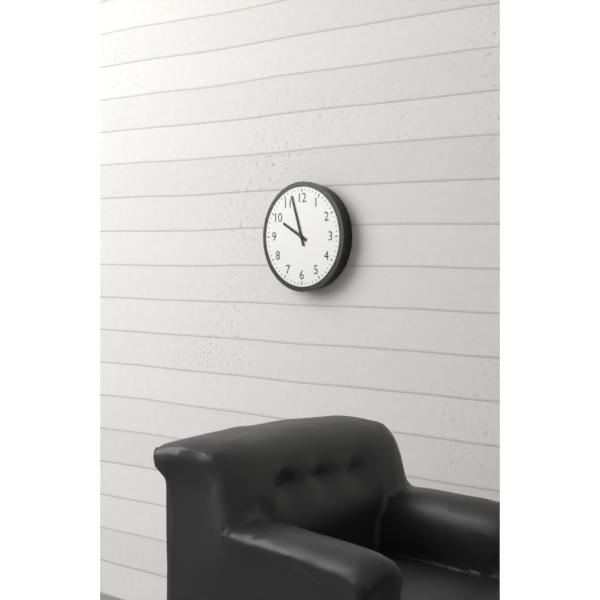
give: {"hour": 9, "minute": 57}
